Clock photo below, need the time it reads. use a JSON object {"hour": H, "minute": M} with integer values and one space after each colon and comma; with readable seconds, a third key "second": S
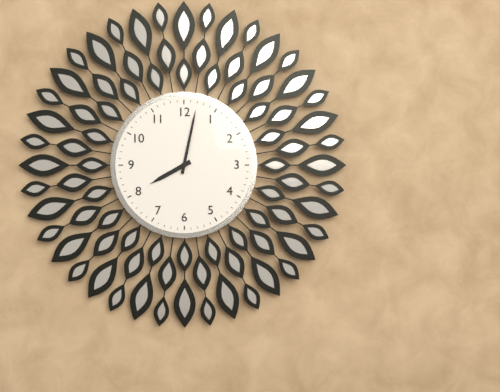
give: {"hour": 8, "minute": 2}
